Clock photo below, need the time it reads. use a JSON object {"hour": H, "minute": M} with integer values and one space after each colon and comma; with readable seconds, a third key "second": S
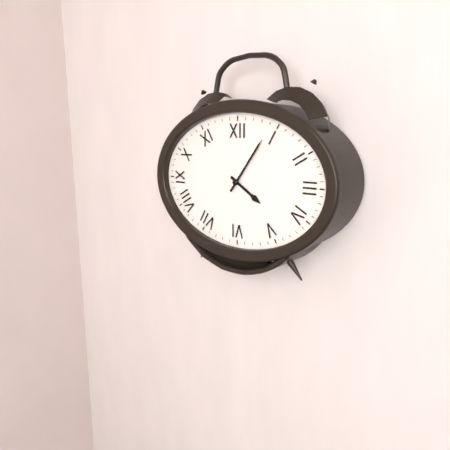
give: {"hour": 4, "minute": 6}
